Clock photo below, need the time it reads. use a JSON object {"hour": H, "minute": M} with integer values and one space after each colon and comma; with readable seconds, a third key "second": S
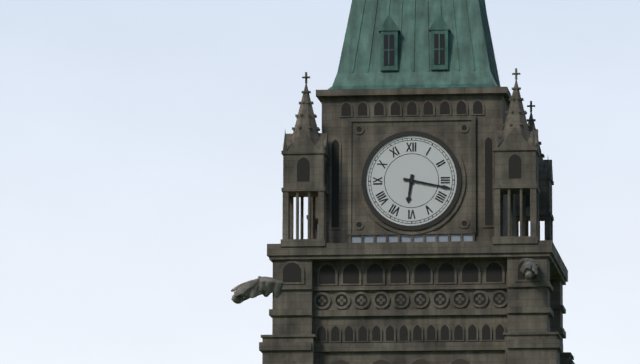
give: {"hour": 6, "minute": 17}
